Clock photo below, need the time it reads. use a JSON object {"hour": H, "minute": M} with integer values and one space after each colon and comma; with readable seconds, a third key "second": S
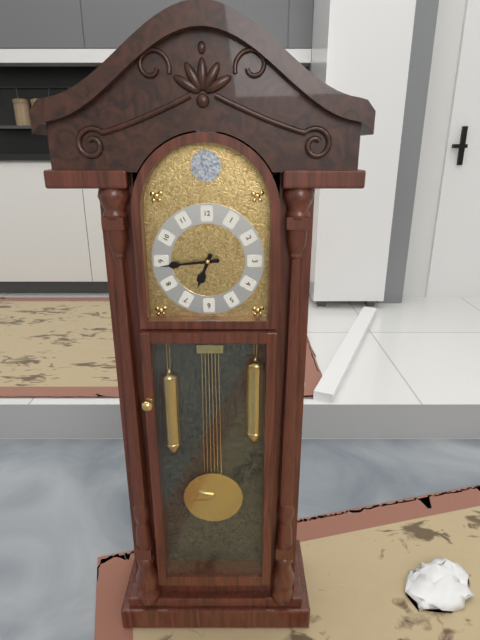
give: {"hour": 6, "minute": 44}
